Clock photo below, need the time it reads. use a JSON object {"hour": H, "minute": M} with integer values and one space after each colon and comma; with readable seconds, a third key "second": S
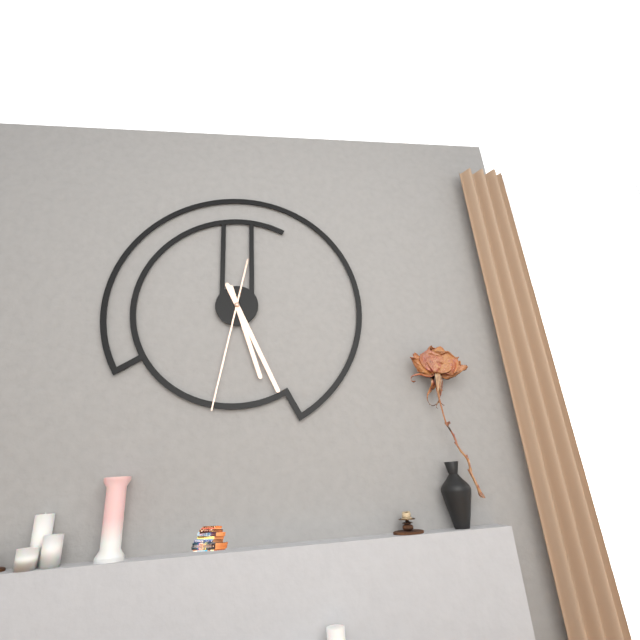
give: {"hour": 5, "minute": 26, "second": 32}
